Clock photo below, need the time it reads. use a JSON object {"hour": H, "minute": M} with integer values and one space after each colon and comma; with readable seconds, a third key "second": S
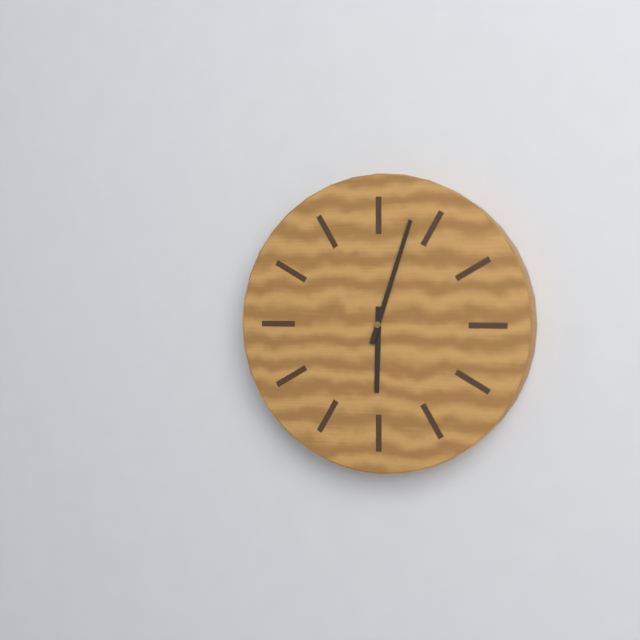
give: {"hour": 6, "minute": 3}
